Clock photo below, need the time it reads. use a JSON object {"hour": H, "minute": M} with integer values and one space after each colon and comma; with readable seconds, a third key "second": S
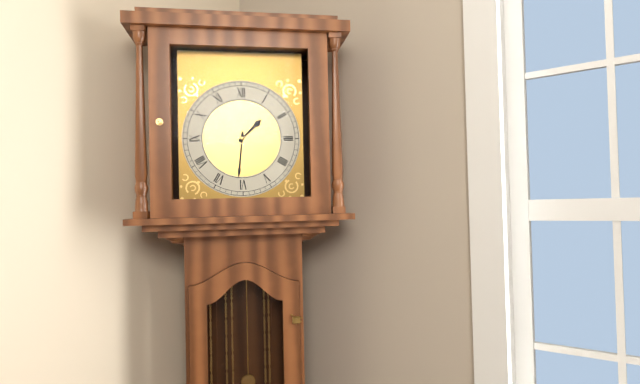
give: {"hour": 1, "minute": 31}
